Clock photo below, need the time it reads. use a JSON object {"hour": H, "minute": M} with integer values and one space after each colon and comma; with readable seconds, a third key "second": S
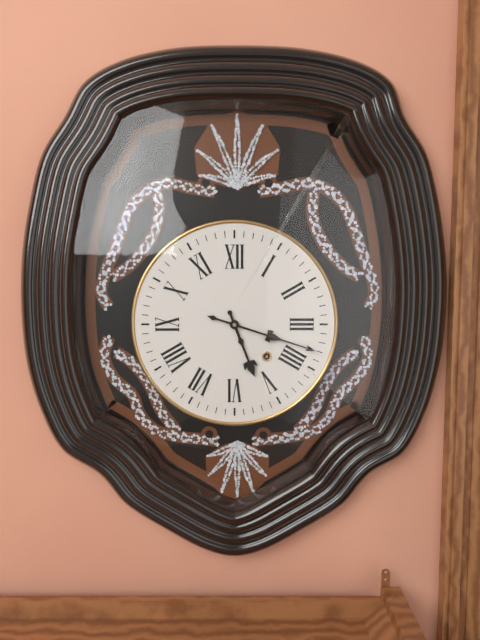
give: {"hour": 5, "minute": 18}
